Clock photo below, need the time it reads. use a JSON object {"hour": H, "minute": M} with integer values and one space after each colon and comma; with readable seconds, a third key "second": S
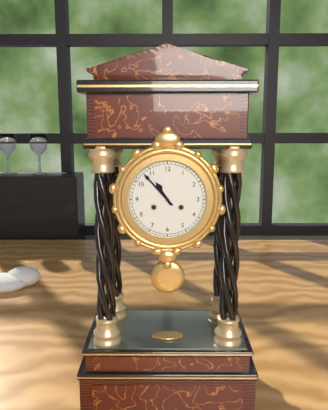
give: {"hour": 10, "minute": 53}
